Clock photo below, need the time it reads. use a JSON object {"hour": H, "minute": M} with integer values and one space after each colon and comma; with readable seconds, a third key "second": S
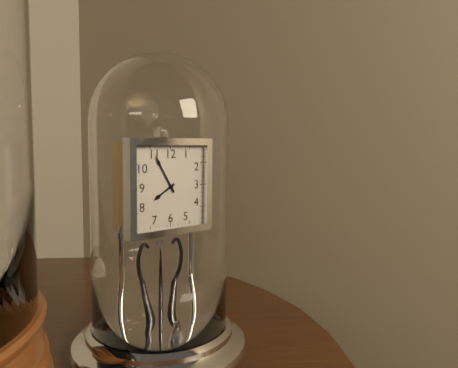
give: {"hour": 7, "minute": 55}
